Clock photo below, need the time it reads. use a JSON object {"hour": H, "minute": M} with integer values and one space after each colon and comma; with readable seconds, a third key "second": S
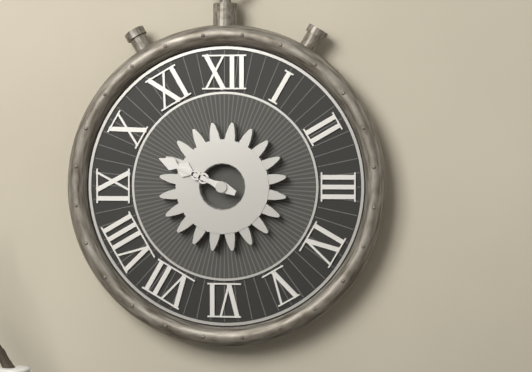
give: {"hour": 9, "minute": 49}
